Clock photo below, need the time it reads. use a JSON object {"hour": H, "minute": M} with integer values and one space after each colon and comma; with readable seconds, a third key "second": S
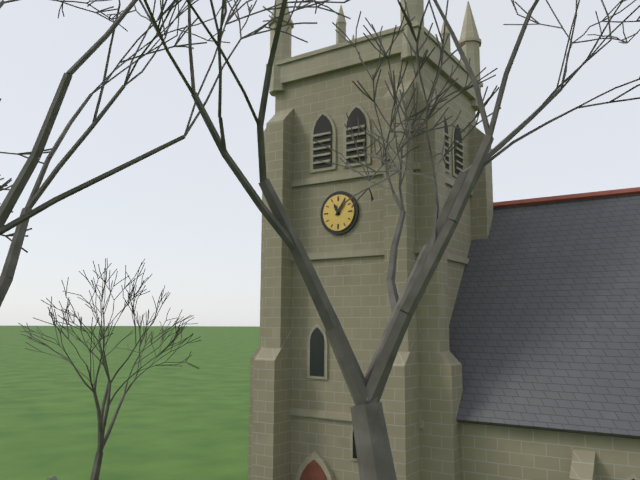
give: {"hour": 11, "minute": 6}
